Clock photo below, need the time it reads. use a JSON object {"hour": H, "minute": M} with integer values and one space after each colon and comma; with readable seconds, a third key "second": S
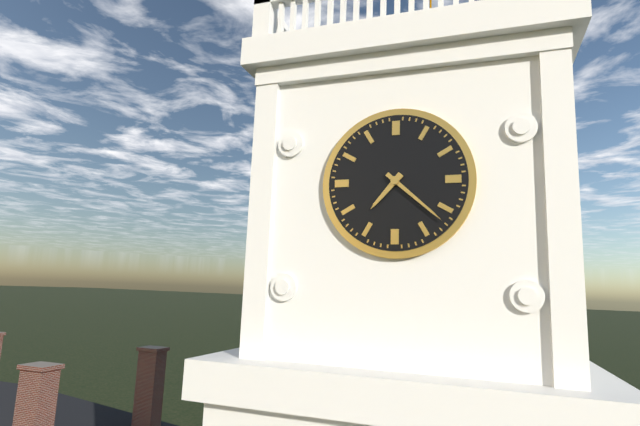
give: {"hour": 7, "minute": 22}
